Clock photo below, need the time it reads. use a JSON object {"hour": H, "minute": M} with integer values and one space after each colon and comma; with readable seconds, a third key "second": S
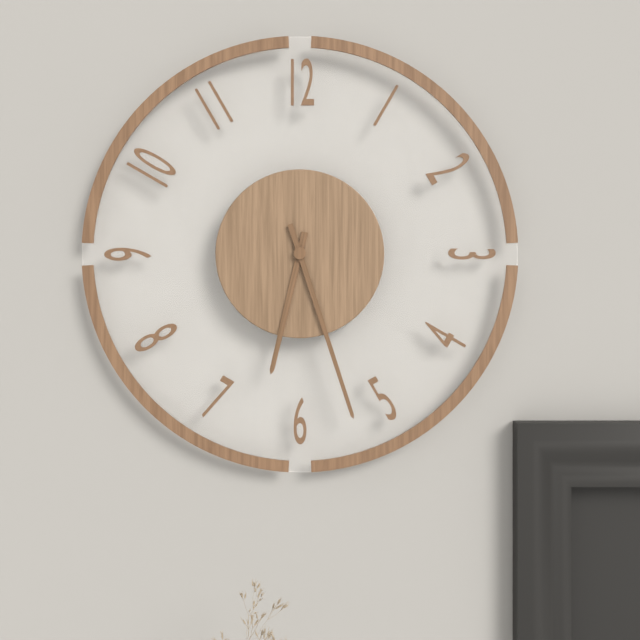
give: {"hour": 6, "minute": 27}
